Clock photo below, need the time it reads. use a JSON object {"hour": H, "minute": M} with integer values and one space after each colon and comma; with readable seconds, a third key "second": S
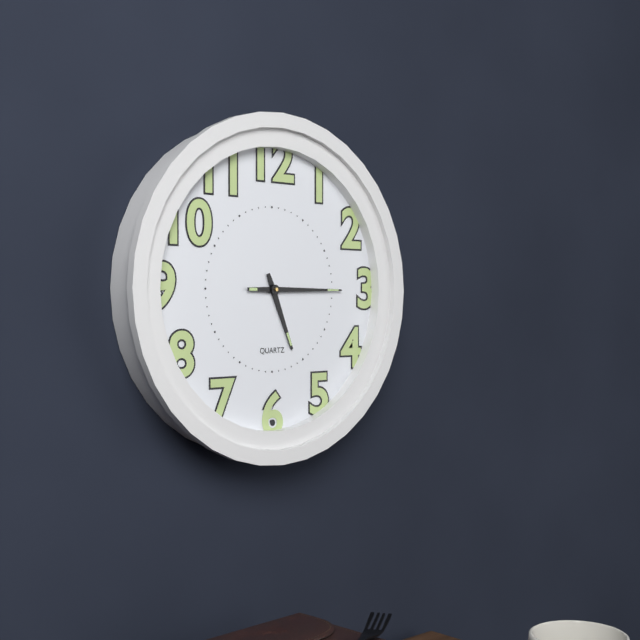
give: {"hour": 5, "minute": 15}
